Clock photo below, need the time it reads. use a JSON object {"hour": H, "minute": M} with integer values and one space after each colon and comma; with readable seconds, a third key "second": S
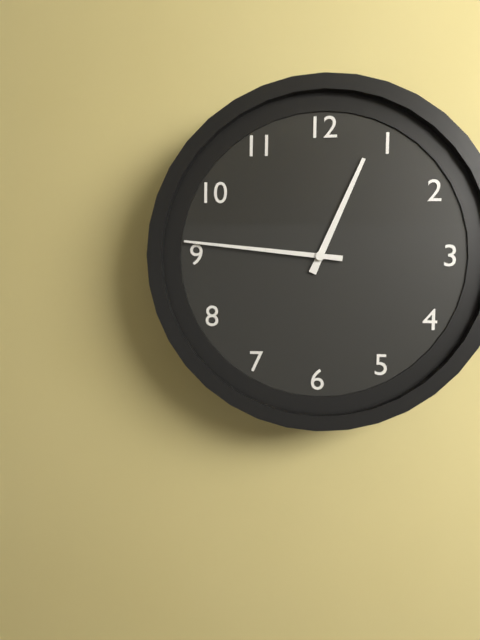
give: {"hour": 12, "minute": 46}
